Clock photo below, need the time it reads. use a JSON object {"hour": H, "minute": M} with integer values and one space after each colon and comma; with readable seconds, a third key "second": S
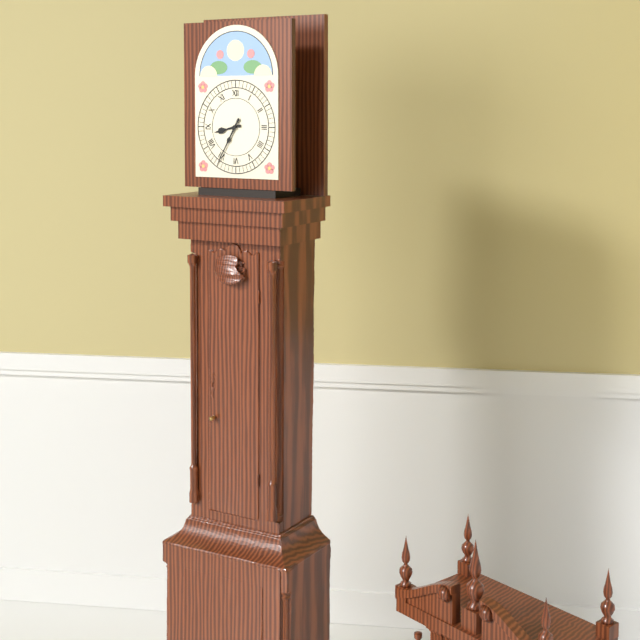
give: {"hour": 8, "minute": 35}
